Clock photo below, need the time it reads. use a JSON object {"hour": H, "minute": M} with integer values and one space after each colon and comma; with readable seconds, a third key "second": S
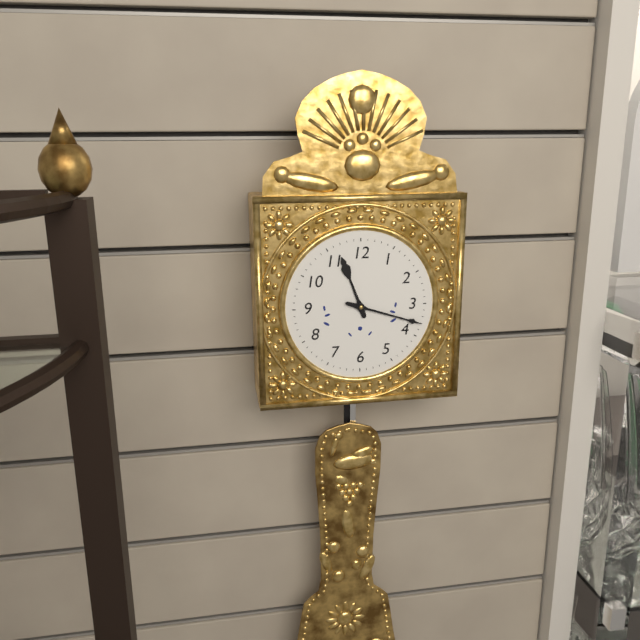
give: {"hour": 11, "minute": 18}
